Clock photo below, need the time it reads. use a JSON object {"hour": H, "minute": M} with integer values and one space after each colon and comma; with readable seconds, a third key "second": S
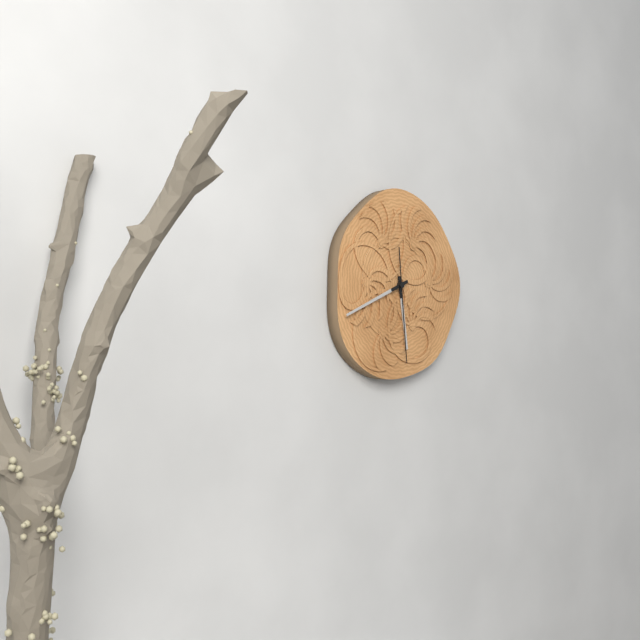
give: {"hour": 5, "minute": 41, "second": 29}
